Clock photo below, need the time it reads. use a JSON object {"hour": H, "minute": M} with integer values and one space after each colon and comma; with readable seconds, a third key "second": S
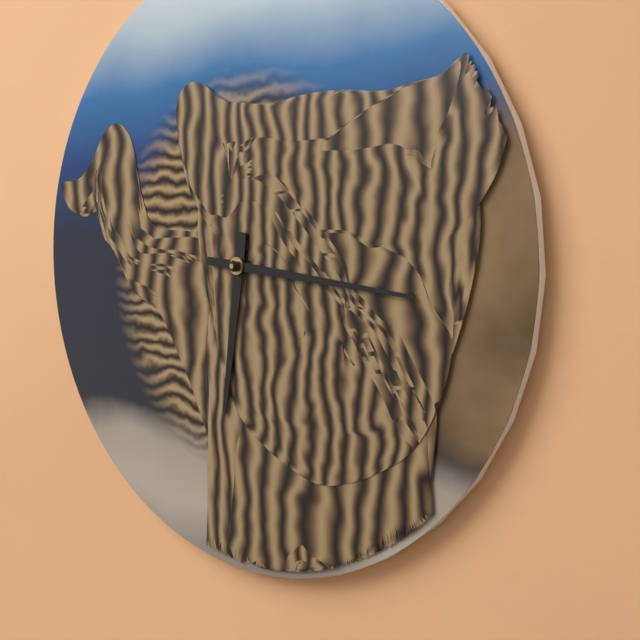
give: {"hour": 6, "minute": 16}
